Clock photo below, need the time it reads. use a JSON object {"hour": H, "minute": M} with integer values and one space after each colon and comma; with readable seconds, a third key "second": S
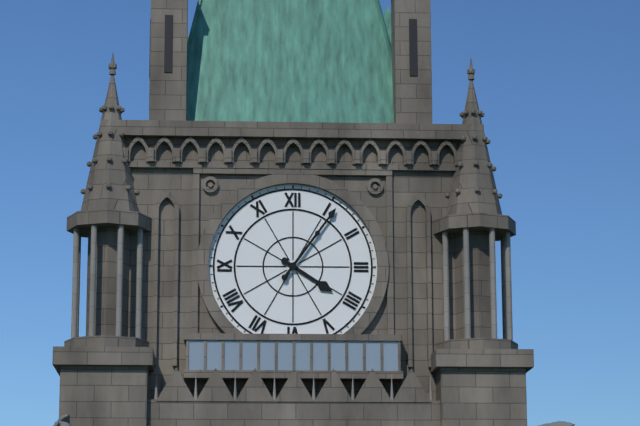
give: {"hour": 4, "minute": 6}
